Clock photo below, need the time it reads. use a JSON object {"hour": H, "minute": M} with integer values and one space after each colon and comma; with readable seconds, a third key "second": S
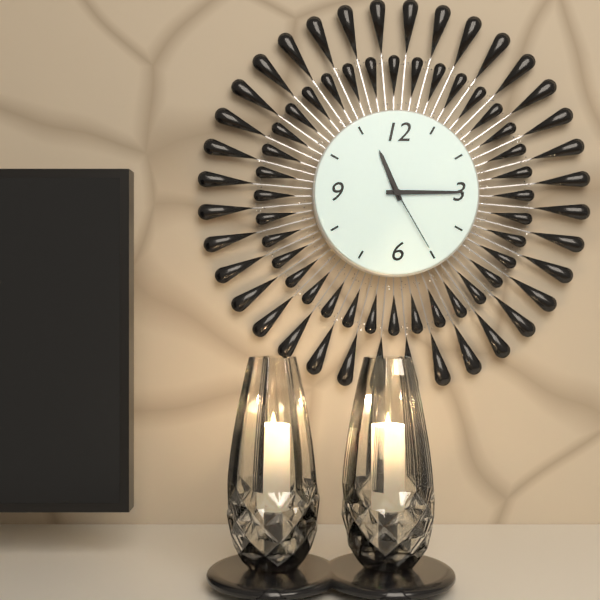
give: {"hour": 11, "minute": 15, "second": 25}
